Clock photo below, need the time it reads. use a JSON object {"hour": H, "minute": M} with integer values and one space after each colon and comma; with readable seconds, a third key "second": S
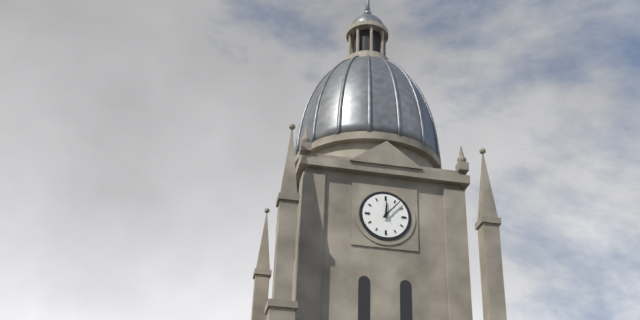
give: {"hour": 12, "minute": 7}
